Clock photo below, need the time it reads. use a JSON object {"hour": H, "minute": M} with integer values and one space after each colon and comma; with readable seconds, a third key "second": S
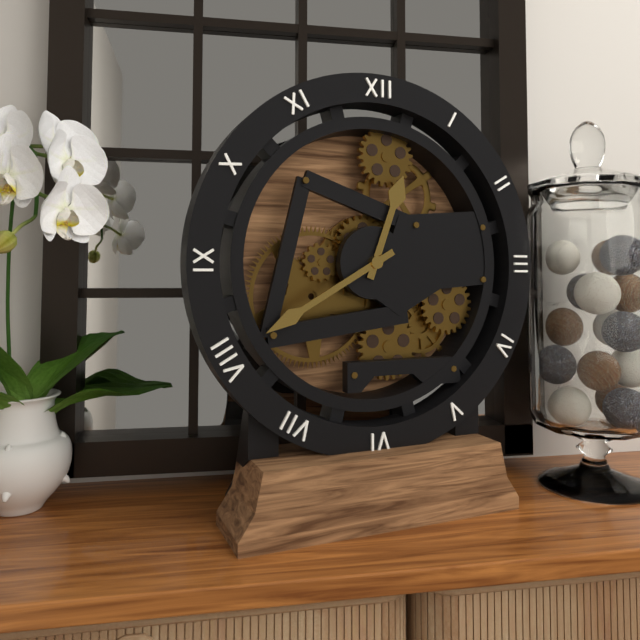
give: {"hour": 12, "minute": 40}
